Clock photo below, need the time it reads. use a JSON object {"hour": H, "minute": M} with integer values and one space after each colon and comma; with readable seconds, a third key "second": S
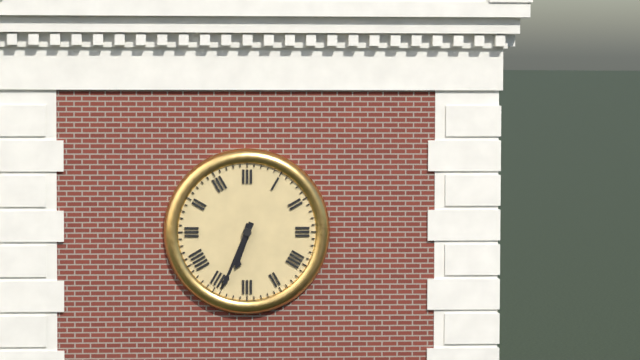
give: {"hour": 6, "minute": 34}
